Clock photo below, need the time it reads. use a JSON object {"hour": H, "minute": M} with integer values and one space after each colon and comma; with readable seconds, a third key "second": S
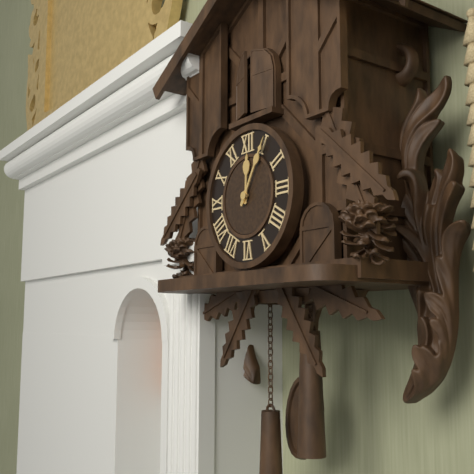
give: {"hour": 12, "minute": 5}
